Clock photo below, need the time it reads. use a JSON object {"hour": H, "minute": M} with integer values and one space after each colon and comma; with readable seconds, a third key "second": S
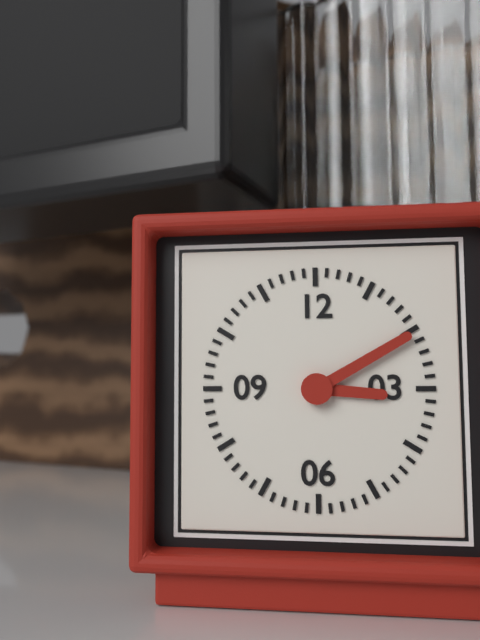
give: {"hour": 3, "minute": 10}
